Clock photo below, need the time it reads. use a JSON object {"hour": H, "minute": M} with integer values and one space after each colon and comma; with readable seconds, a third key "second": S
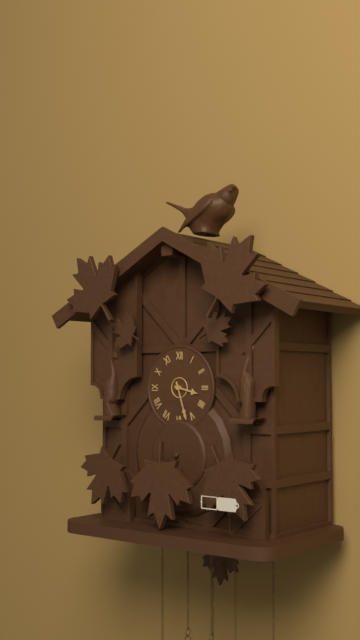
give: {"hour": 3, "minute": 27}
